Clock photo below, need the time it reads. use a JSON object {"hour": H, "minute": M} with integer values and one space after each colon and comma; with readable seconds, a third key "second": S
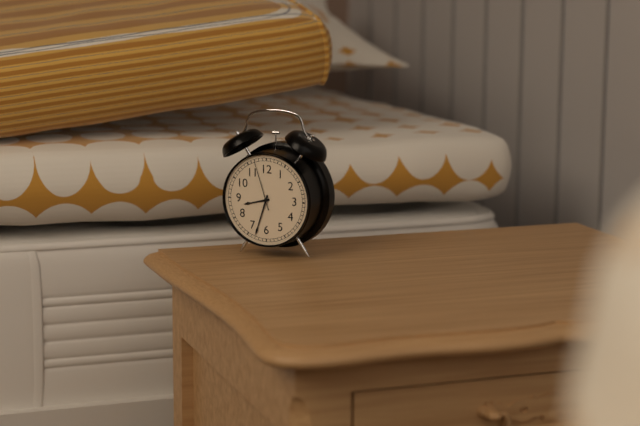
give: {"hour": 8, "minute": 33, "second": 57}
